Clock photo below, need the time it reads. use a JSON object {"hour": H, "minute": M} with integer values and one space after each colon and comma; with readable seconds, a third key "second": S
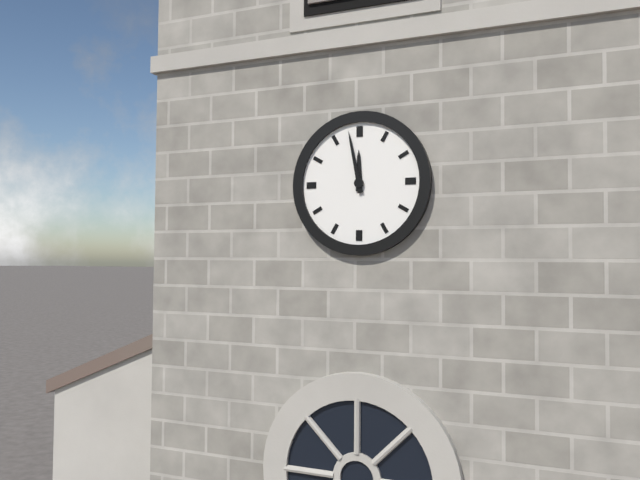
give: {"hour": 11, "minute": 58}
